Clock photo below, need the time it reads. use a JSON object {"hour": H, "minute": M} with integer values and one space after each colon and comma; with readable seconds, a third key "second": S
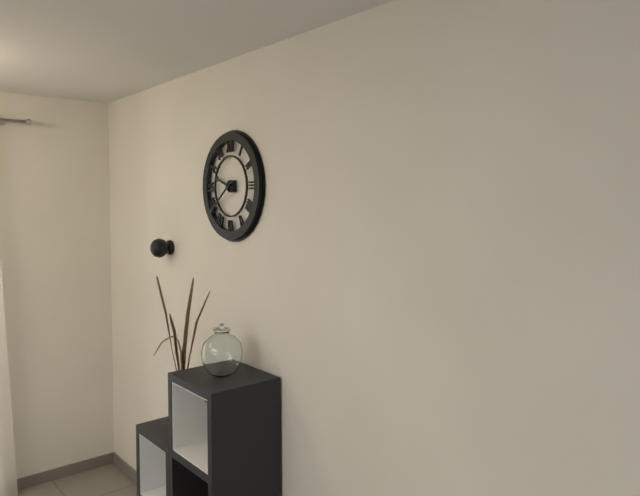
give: {"hour": 9, "minute": 39}
